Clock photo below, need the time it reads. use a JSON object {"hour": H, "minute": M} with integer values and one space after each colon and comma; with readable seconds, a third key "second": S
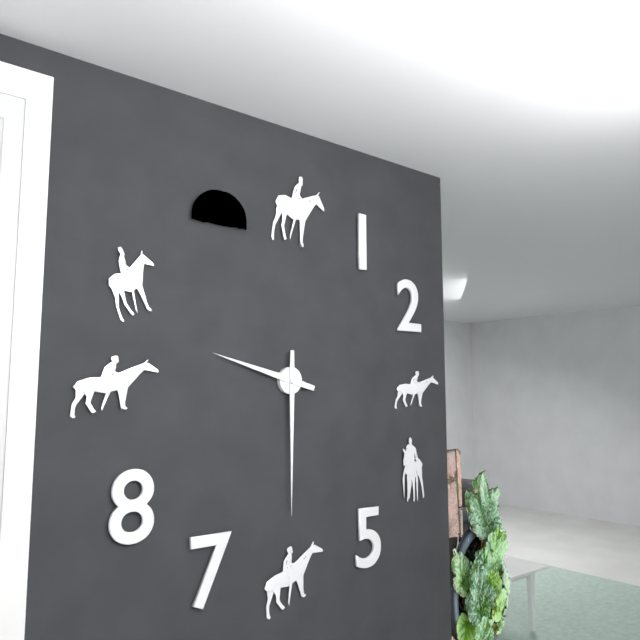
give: {"hour": 9, "minute": 30}
